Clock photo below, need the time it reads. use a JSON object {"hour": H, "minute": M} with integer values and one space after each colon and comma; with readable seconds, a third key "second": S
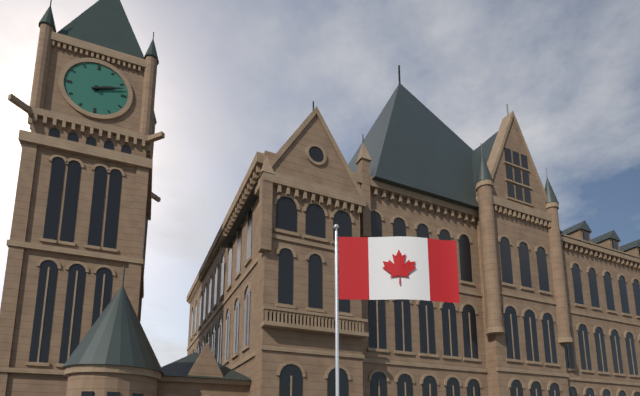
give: {"hour": 2, "minute": 12}
